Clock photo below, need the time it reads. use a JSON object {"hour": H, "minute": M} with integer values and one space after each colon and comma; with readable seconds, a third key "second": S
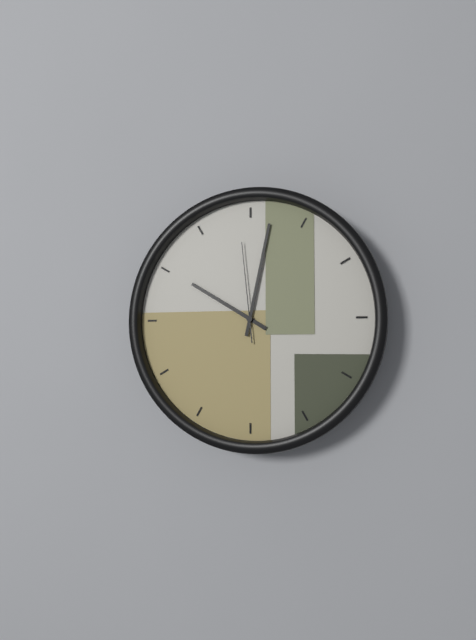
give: {"hour": 10, "minute": 2, "second": 59}
